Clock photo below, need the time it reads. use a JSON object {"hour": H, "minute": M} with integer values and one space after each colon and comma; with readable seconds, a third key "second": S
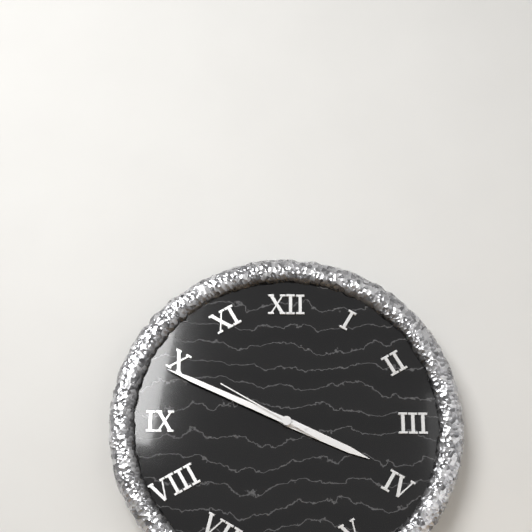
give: {"hour": 3, "minute": 49, "second": 50}
